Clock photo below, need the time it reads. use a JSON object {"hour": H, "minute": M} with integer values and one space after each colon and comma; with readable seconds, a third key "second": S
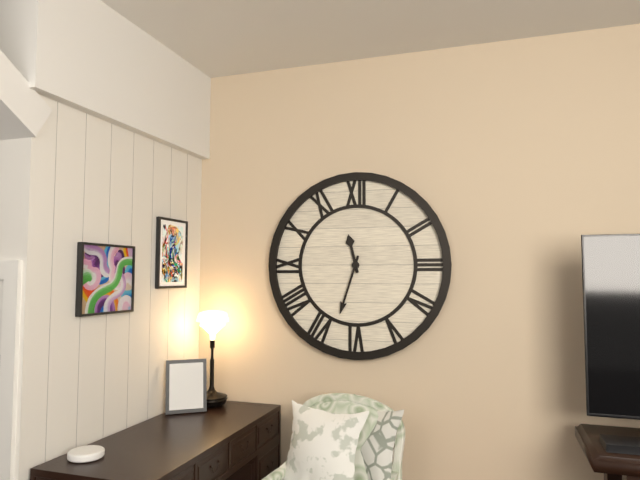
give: {"hour": 11, "minute": 33}
